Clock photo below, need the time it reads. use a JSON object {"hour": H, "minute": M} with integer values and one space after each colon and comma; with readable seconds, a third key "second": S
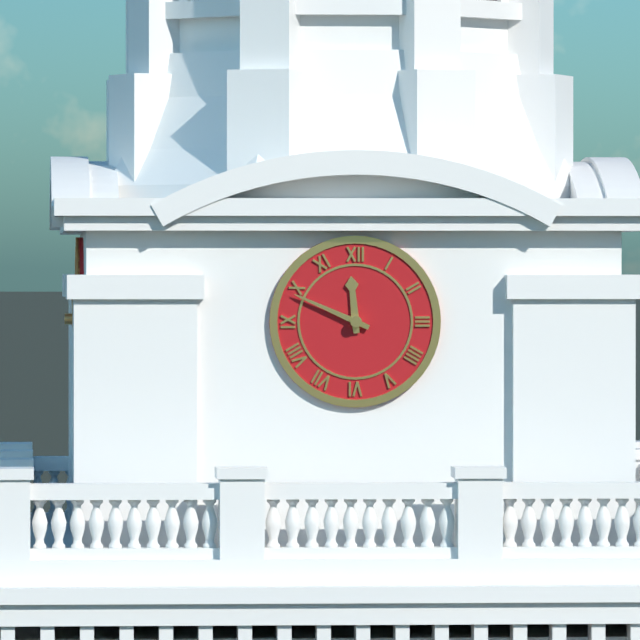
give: {"hour": 11, "minute": 49}
